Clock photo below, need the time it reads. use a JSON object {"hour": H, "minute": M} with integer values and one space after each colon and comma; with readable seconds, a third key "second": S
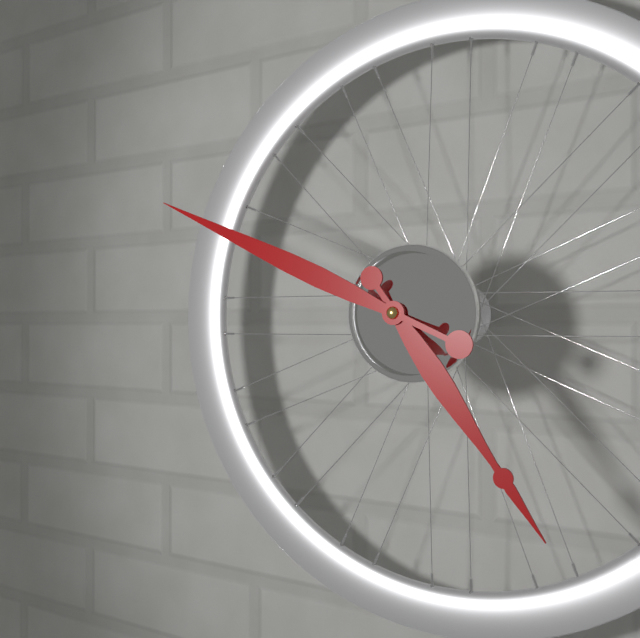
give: {"hour": 4, "minute": 49}
